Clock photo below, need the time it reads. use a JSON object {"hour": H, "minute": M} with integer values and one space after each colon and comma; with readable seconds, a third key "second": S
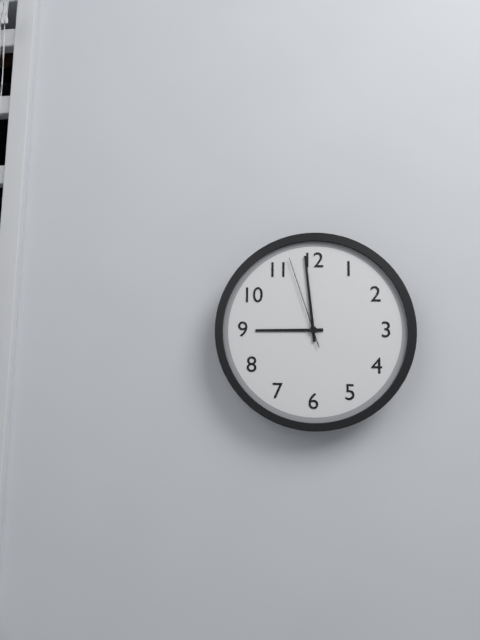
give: {"hour": 8, "minute": 59, "second": 57}
